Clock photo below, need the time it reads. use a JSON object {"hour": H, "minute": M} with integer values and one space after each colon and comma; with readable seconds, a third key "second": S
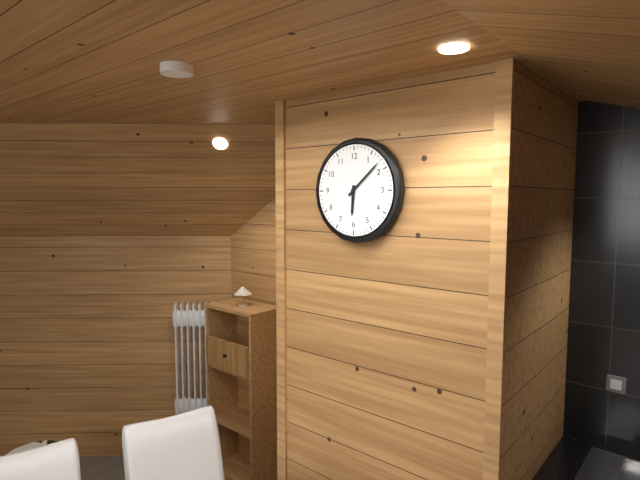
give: {"hour": 6, "minute": 8}
